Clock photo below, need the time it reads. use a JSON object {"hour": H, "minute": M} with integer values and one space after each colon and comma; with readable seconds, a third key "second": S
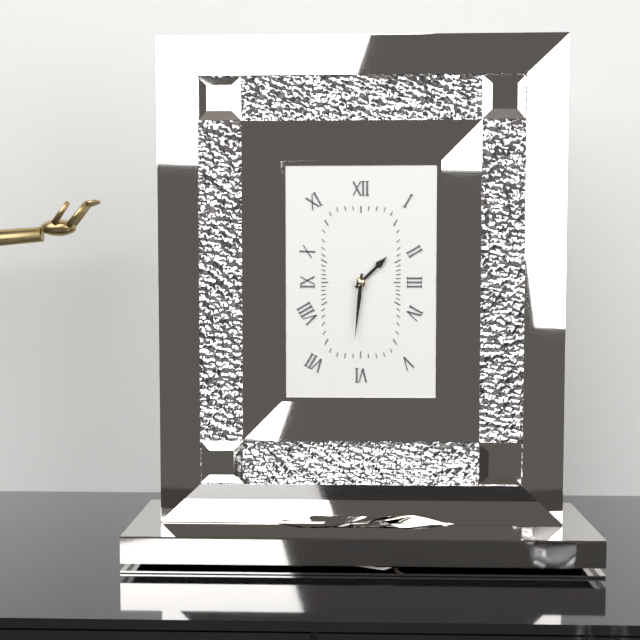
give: {"hour": 1, "minute": 31}
